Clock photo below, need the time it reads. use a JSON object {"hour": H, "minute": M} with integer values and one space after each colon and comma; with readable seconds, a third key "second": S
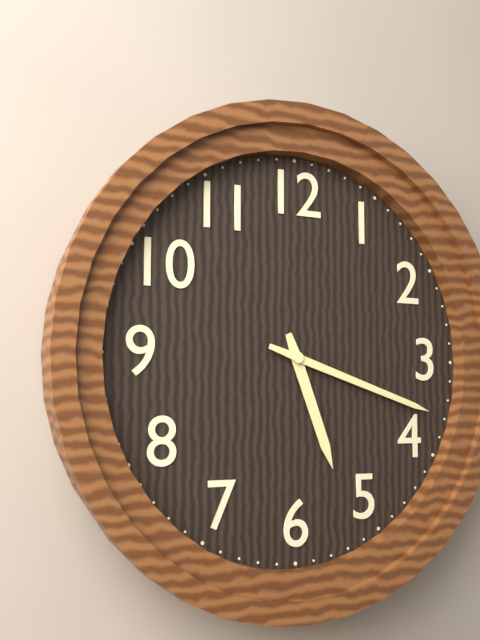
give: {"hour": 5, "minute": 18}
